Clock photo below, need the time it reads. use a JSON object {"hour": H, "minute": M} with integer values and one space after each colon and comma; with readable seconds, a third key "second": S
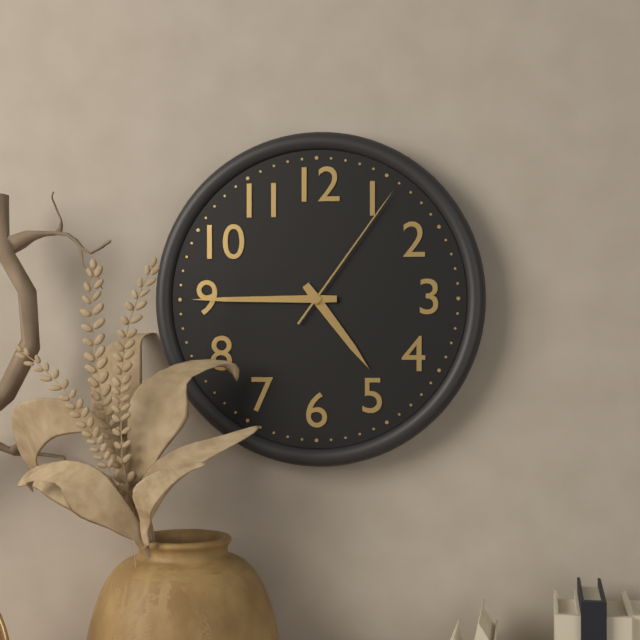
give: {"hour": 4, "minute": 45, "second": 6}
